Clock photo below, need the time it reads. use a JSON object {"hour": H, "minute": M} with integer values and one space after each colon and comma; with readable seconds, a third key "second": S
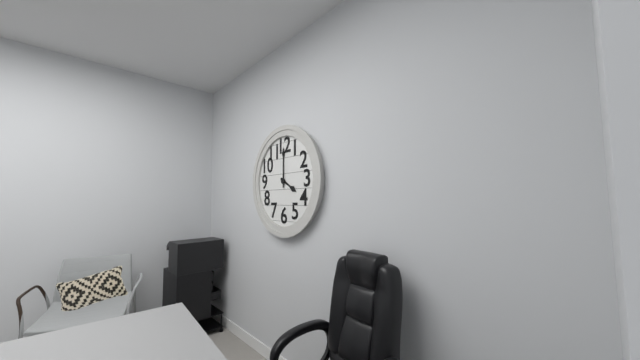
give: {"hour": 4, "minute": 0}
